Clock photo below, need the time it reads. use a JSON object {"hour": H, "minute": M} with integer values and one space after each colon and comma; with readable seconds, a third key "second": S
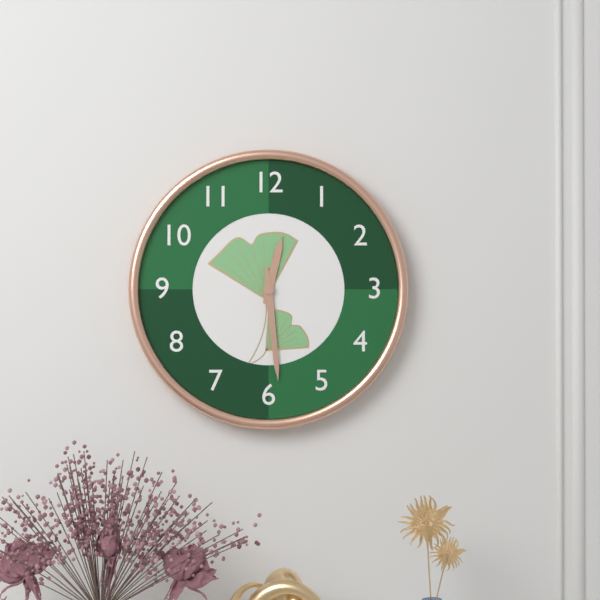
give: {"hour": 12, "minute": 29}
